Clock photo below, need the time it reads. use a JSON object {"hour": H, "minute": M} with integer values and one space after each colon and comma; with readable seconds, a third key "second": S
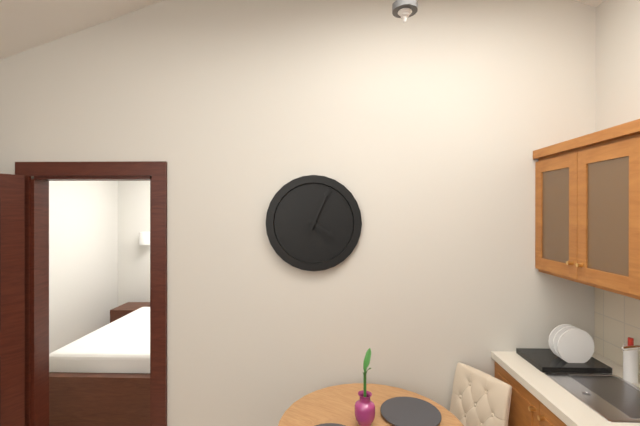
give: {"hour": 4, "minute": 4}
